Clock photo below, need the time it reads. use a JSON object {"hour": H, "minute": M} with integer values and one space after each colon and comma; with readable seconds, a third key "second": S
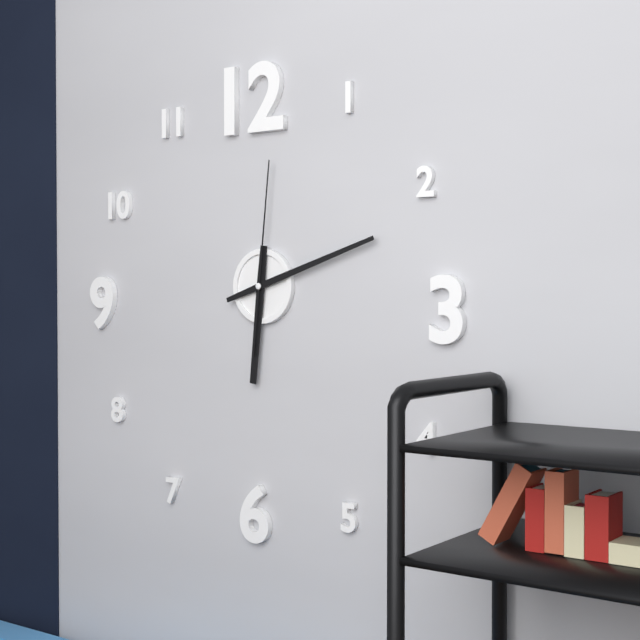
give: {"hour": 6, "minute": 12, "second": 1}
